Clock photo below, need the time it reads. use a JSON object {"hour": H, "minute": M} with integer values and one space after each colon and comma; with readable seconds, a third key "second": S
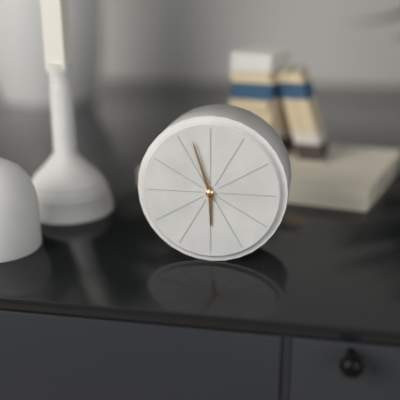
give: {"hour": 5, "minute": 57}
